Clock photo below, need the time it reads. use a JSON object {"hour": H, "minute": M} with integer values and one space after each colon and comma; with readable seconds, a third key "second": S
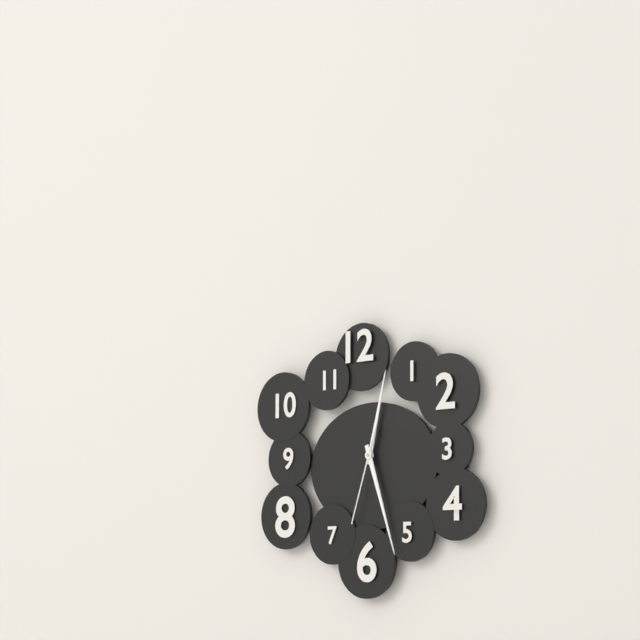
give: {"hour": 12, "minute": 27, "second": 33}
